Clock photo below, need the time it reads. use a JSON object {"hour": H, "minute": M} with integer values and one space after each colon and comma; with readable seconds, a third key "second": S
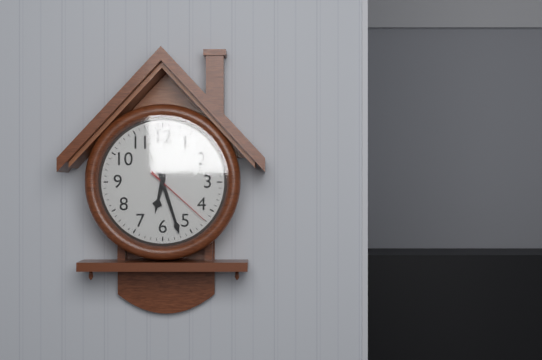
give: {"hour": 6, "minute": 27, "second": 22}
